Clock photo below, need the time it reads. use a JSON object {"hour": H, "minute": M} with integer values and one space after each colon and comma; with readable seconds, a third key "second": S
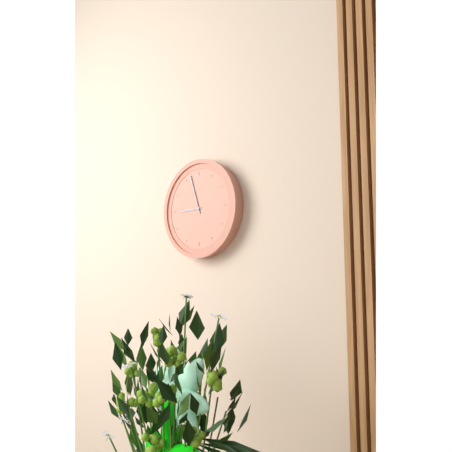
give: {"hour": 8, "minute": 57}
